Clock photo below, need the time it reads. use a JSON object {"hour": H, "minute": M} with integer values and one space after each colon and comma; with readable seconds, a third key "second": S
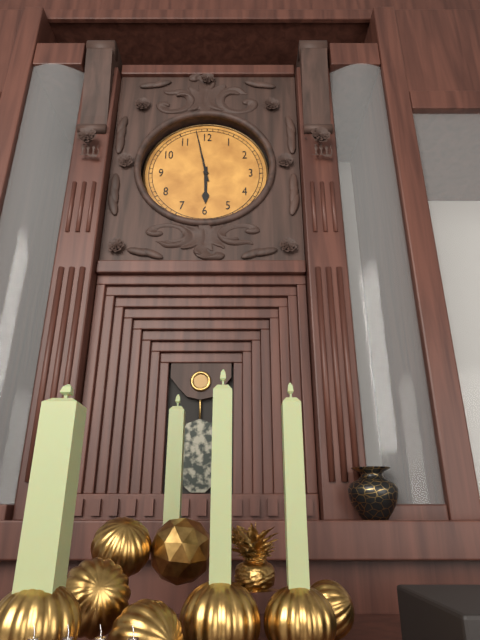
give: {"hour": 5, "minute": 58}
